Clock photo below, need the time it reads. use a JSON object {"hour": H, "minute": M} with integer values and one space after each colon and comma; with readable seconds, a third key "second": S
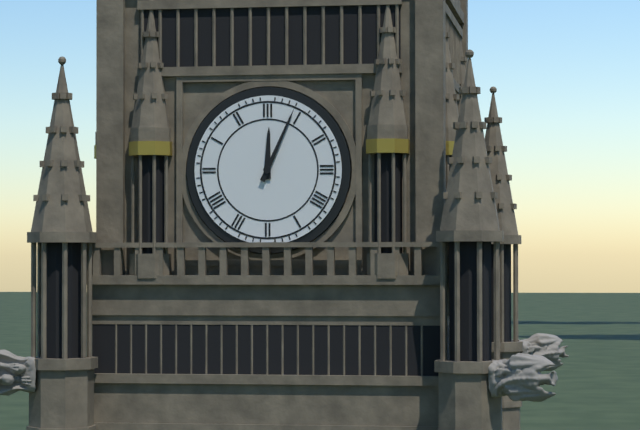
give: {"hour": 12, "minute": 4}
